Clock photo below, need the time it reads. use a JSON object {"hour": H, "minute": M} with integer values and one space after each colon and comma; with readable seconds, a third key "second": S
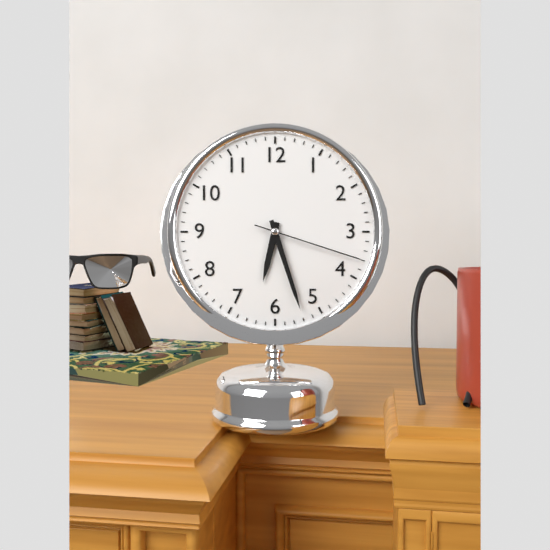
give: {"hour": 6, "minute": 27, "second": 18}
